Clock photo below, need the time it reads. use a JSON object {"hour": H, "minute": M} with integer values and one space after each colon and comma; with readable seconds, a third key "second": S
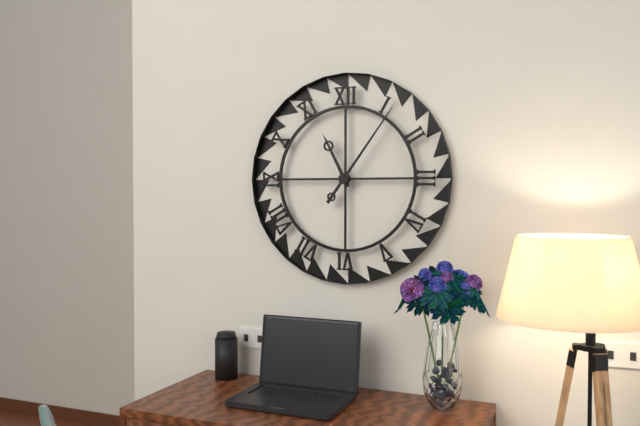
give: {"hour": 11, "minute": 6}
